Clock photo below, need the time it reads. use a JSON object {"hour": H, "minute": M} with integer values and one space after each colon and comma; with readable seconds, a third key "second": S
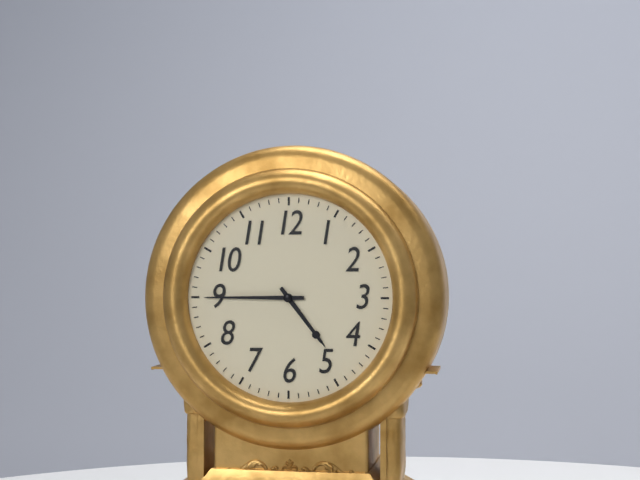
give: {"hour": 4, "minute": 45}
